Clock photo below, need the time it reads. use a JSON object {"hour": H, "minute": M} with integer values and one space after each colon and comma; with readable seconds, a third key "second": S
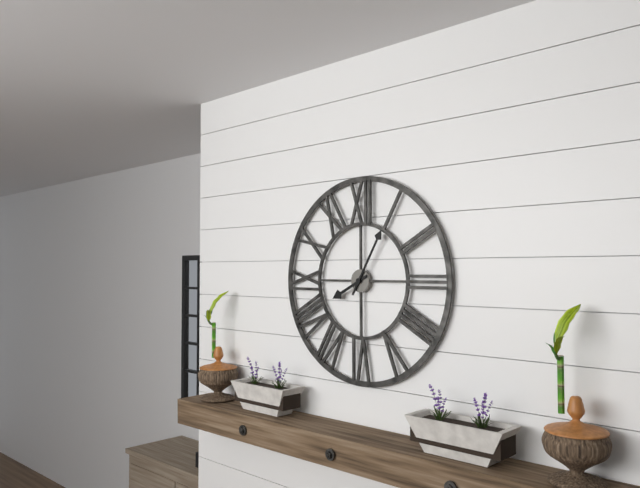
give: {"hour": 8, "minute": 5}
